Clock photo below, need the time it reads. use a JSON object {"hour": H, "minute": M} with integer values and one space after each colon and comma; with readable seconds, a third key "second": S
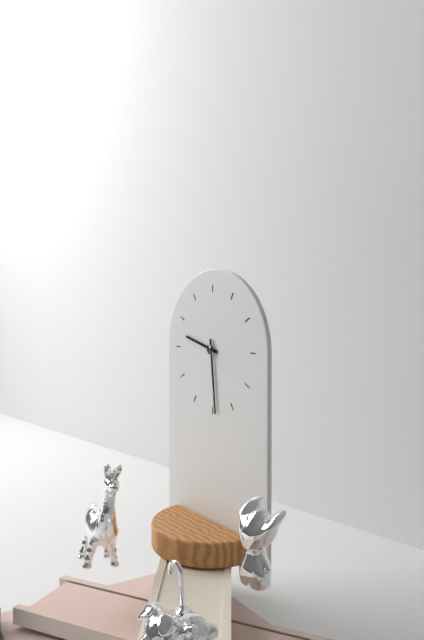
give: {"hour": 9, "minute": 29}
